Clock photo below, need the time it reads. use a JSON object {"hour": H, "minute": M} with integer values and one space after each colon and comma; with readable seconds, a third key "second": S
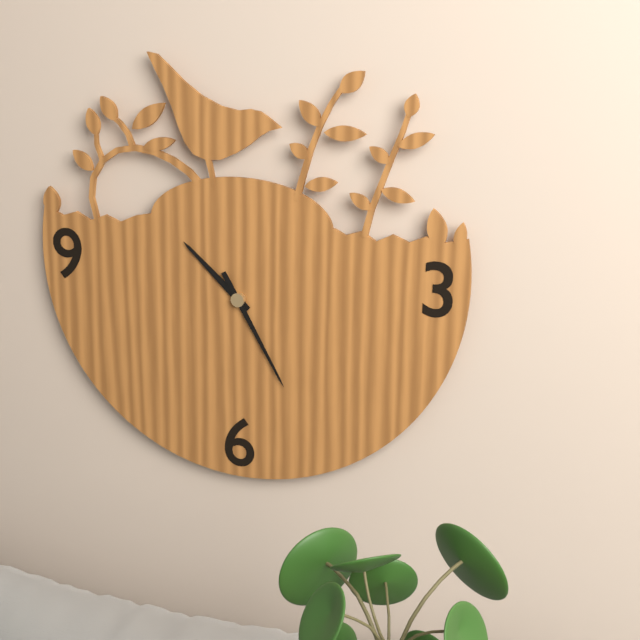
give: {"hour": 10, "minute": 25}
